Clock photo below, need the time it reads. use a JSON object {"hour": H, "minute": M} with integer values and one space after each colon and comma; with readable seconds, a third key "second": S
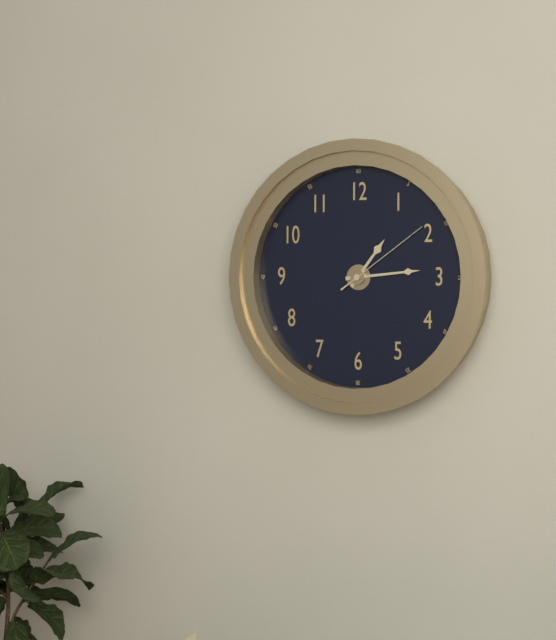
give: {"hour": 1, "minute": 14, "second": 9}
